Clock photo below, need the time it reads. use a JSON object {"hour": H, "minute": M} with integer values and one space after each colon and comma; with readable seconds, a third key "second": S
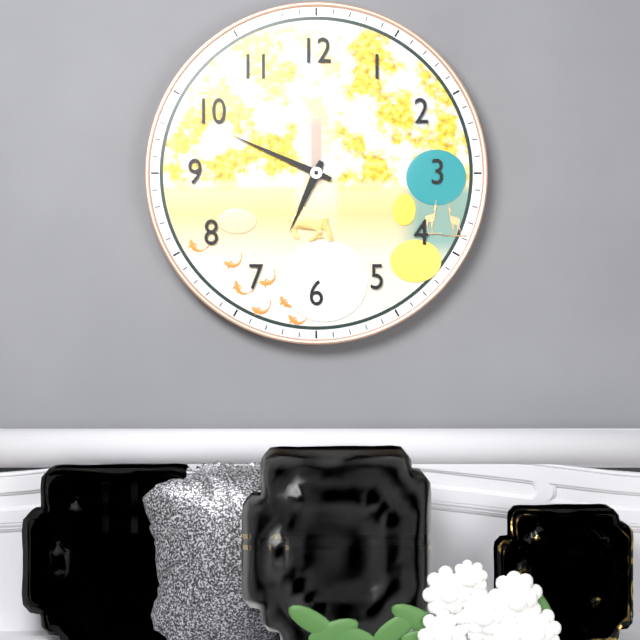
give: {"hour": 6, "minute": 49}
